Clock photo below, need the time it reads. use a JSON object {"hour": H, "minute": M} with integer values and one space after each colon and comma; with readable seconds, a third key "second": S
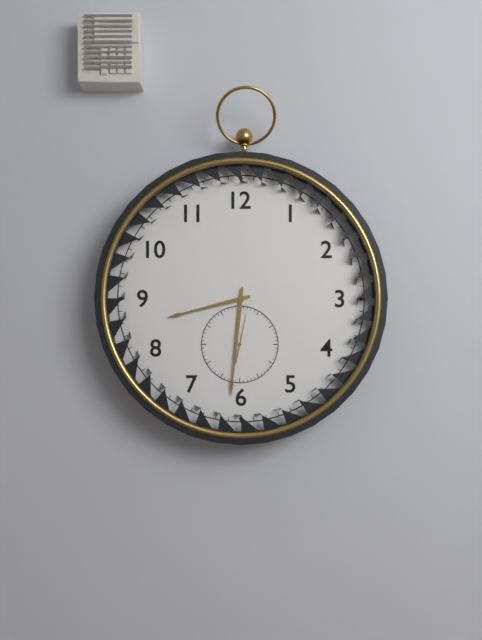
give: {"hour": 8, "minute": 31}
